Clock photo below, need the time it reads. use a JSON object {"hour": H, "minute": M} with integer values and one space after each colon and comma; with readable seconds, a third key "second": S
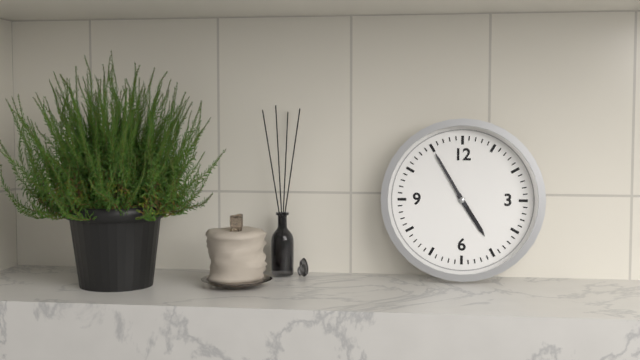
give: {"hour": 4, "minute": 55}
